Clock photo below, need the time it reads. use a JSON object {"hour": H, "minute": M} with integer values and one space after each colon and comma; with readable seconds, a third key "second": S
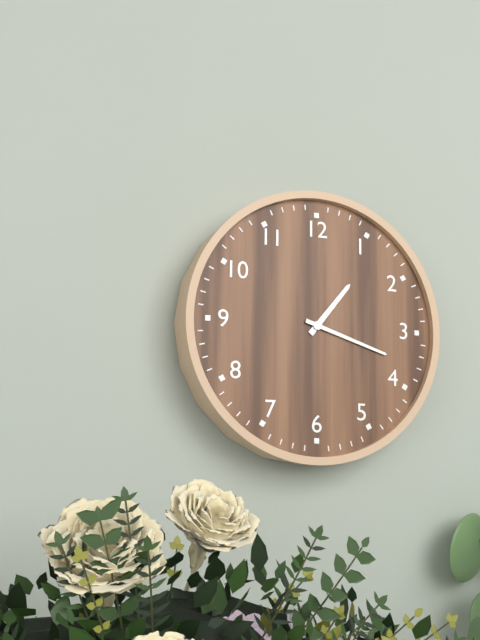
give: {"hour": 1, "minute": 18}
